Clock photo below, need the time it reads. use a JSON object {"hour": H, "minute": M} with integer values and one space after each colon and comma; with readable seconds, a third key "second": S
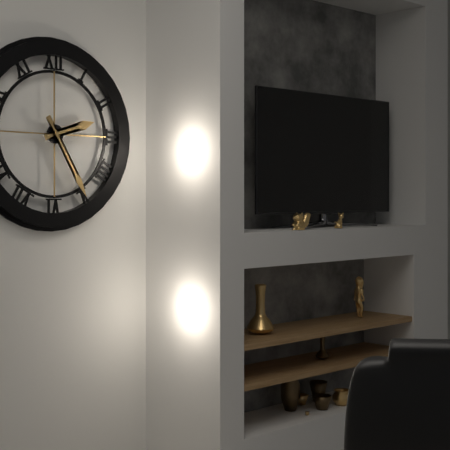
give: {"hour": 2, "minute": 25}
